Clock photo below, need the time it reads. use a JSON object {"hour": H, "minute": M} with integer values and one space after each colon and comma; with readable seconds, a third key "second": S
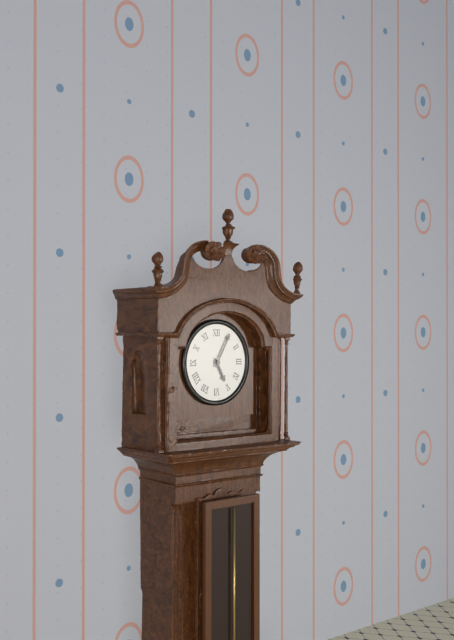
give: {"hour": 5, "minute": 5}
